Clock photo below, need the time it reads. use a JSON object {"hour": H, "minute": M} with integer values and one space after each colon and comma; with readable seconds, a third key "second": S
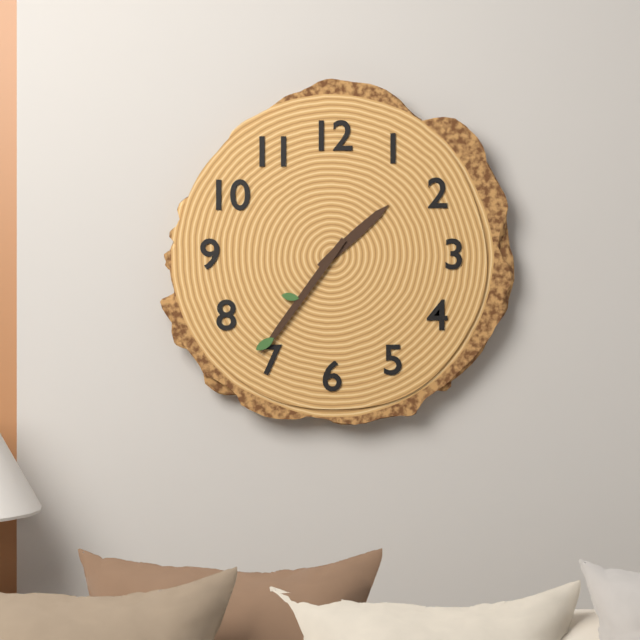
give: {"hour": 1, "minute": 36}
